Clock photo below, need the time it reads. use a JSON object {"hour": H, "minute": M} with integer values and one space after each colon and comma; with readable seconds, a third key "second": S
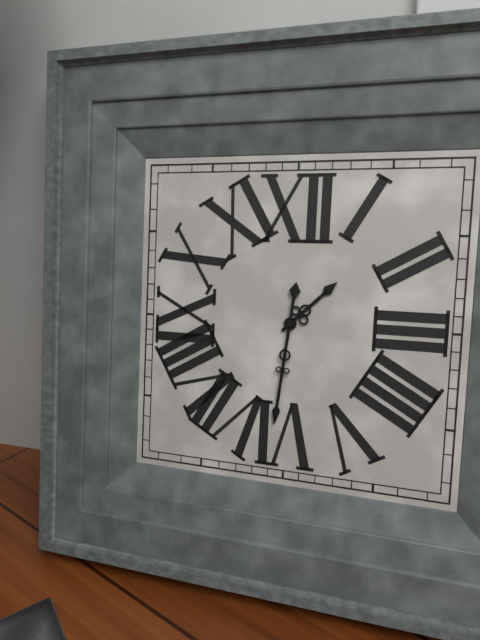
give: {"hour": 1, "minute": 31}
